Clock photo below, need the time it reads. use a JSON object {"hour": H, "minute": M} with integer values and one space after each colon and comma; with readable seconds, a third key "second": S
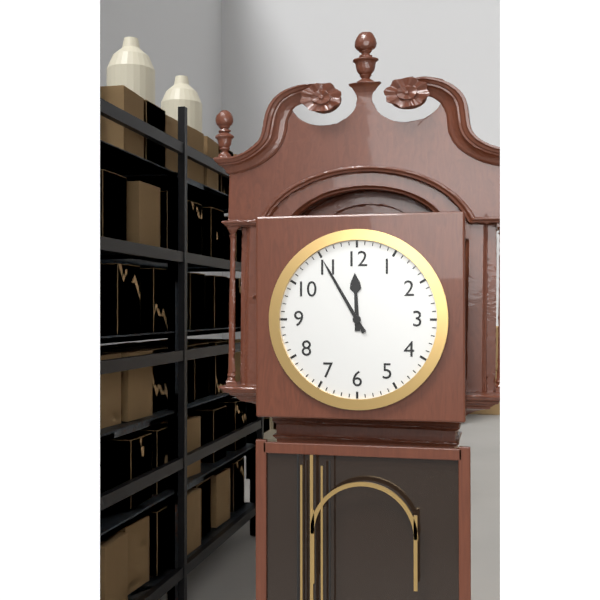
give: {"hour": 11, "minute": 55}
